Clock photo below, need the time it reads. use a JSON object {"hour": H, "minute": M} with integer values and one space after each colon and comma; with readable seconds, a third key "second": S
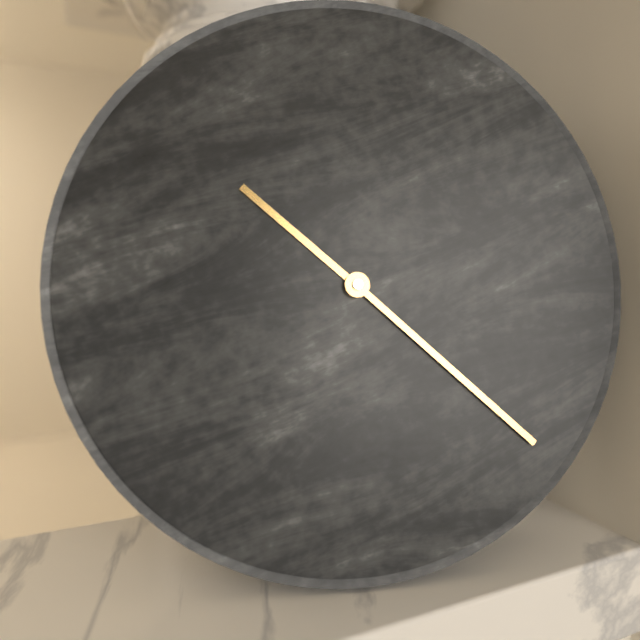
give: {"hour": 10, "minute": 22}
